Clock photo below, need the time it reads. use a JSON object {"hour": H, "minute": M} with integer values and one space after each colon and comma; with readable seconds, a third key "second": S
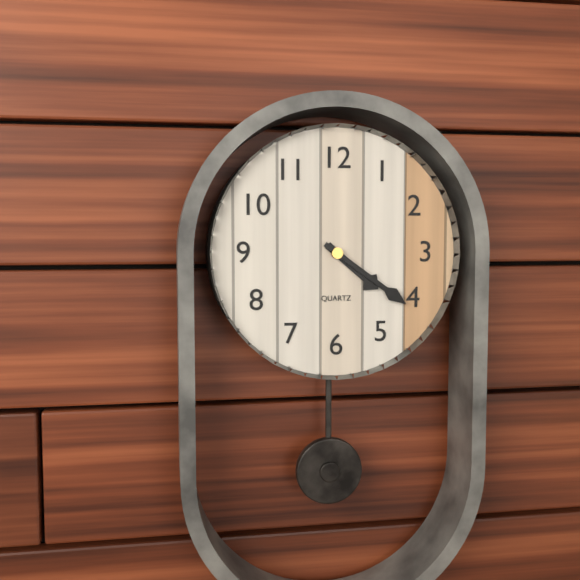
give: {"hour": 4, "minute": 21}
